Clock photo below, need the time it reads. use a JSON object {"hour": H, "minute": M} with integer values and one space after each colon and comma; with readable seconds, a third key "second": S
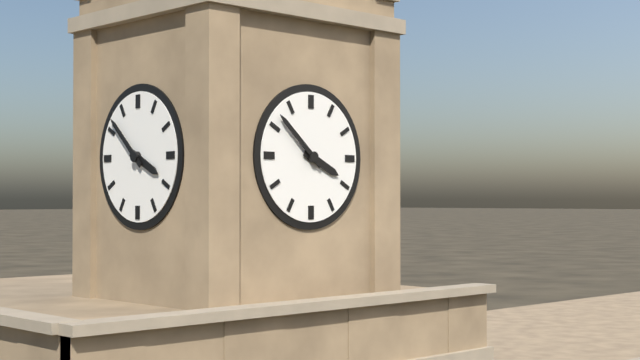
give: {"hour": 3, "minute": 52}
